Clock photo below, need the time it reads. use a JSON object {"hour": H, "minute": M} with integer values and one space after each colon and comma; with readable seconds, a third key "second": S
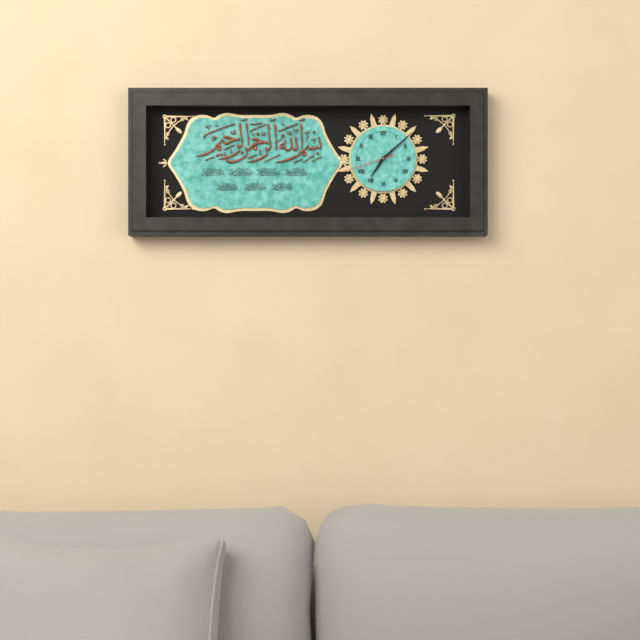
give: {"hour": 7, "minute": 8, "second": 42}
